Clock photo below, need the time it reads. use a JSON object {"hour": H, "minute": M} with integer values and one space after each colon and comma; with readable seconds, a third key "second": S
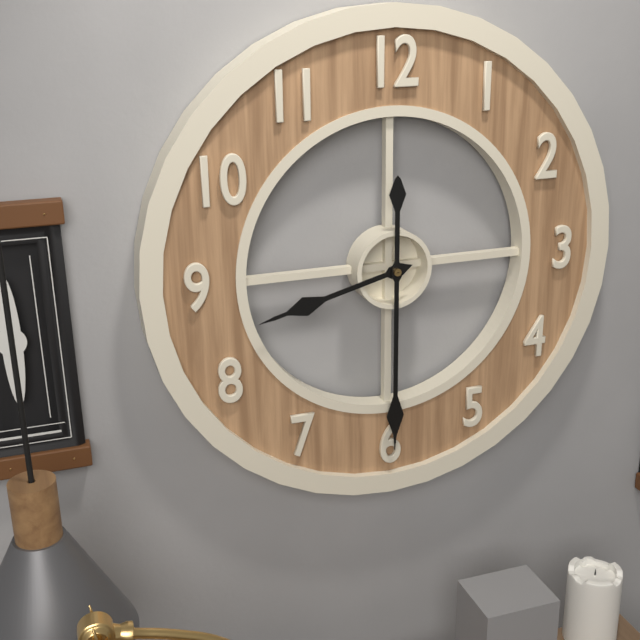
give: {"hour": 8, "minute": 30}
